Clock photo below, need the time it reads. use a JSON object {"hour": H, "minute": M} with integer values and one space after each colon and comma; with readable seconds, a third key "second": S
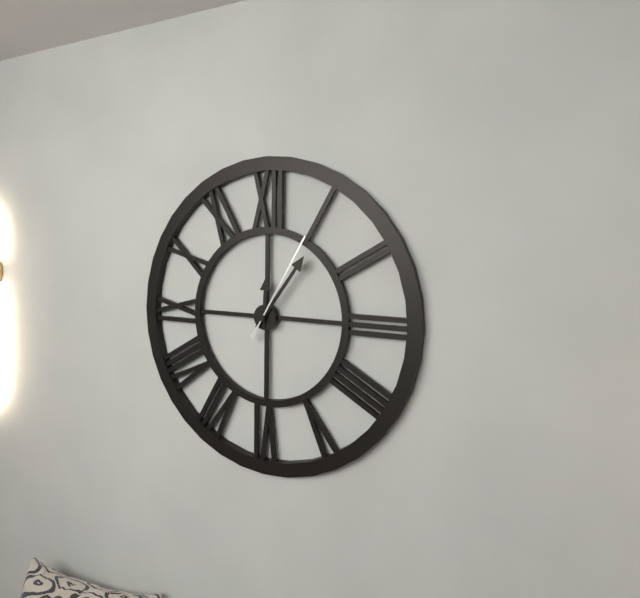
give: {"hour": 12, "minute": 6, "second": 5}
